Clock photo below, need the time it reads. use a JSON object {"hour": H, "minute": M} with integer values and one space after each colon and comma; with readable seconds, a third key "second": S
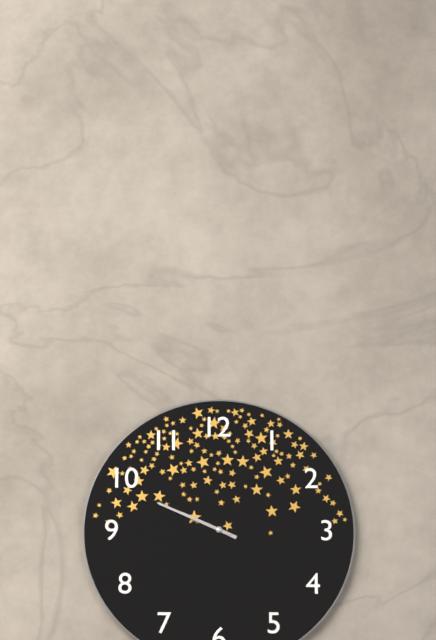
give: {"hour": 9, "minute": 49}
